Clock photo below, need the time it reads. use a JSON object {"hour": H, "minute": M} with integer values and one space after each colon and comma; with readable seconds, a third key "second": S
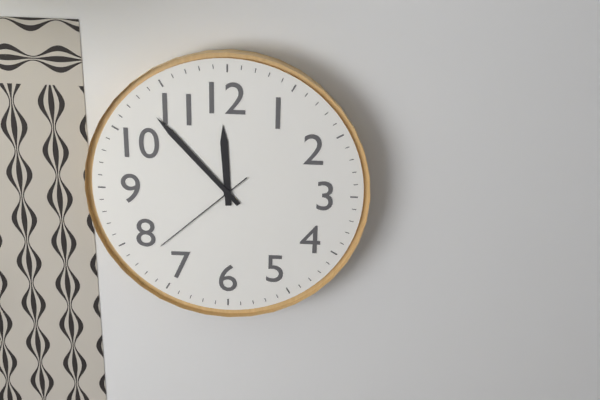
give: {"hour": 11, "minute": 53, "second": 38}
